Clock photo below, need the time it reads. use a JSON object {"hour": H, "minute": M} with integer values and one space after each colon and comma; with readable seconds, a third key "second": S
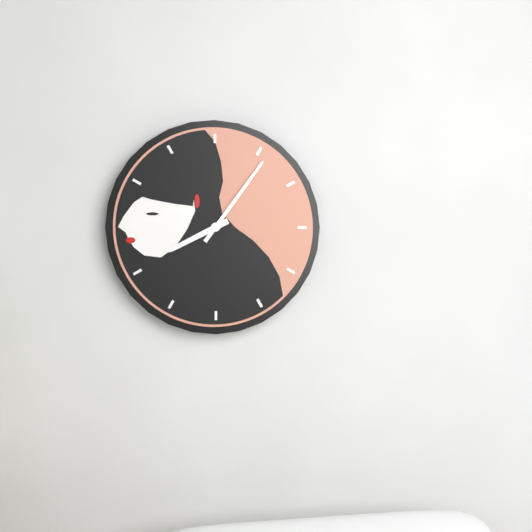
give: {"hour": 8, "minute": 6}
